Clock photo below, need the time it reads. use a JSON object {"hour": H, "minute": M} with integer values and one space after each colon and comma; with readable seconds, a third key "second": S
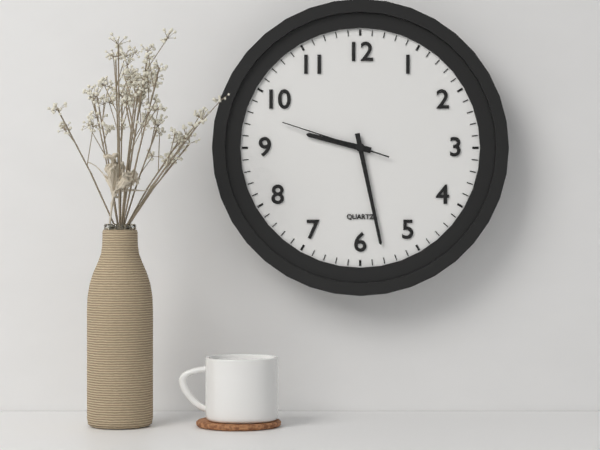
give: {"hour": 9, "minute": 28, "second": 48}
